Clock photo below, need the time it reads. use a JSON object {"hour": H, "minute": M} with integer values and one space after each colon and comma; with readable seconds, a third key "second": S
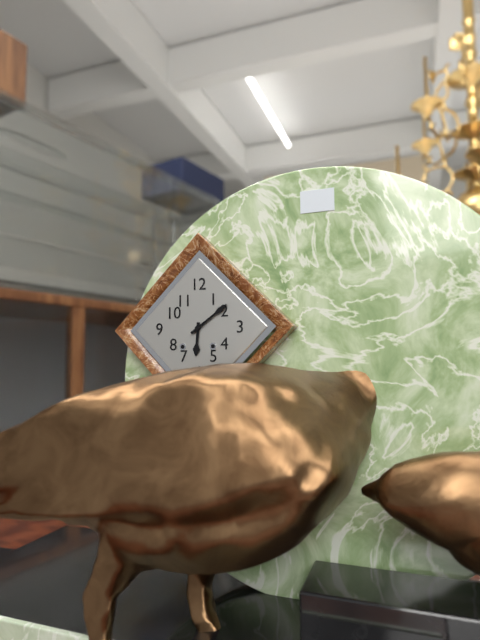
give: {"hour": 6, "minute": 9}
